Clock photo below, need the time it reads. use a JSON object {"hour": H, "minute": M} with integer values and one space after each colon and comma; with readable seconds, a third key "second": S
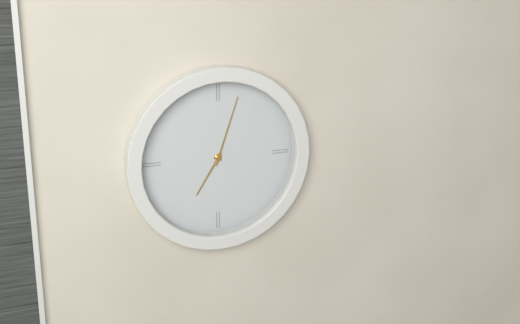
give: {"hour": 7, "minute": 3}
